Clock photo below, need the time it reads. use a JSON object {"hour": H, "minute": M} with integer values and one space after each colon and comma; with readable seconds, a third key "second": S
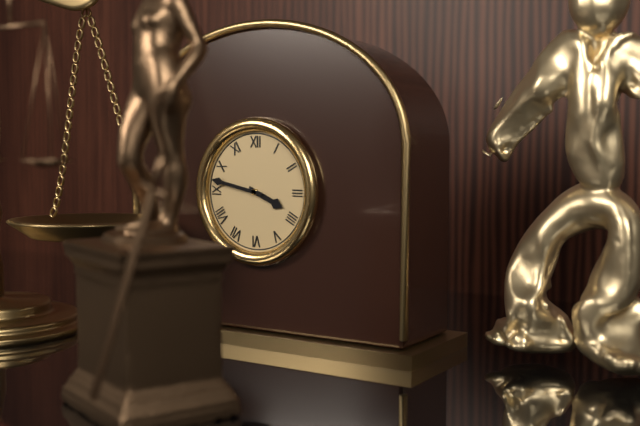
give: {"hour": 3, "minute": 47}
